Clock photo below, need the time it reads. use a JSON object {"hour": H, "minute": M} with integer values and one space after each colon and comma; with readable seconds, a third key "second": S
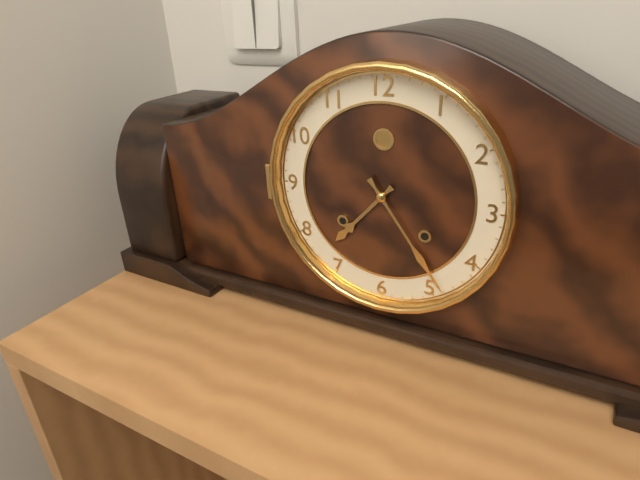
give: {"hour": 7, "minute": 24}
